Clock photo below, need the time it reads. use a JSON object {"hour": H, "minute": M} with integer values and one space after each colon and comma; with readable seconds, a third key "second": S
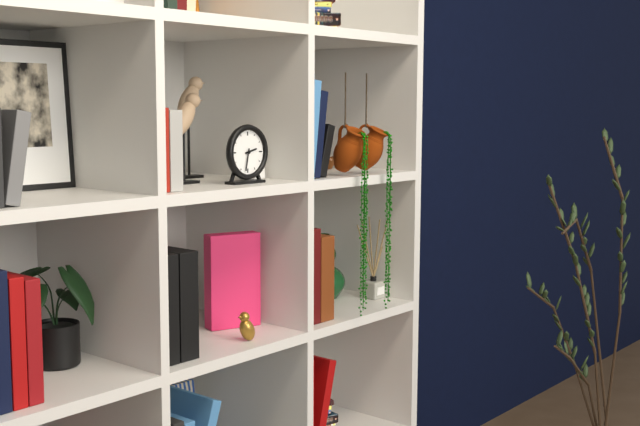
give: {"hour": 2, "minute": 32}
